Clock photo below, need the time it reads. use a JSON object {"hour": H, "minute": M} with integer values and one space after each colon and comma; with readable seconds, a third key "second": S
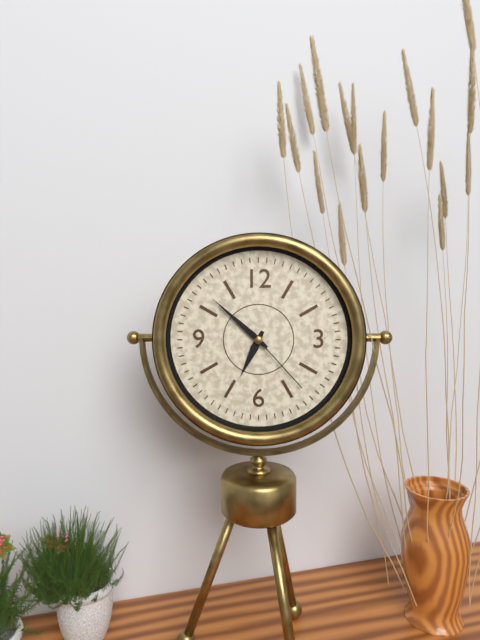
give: {"hour": 6, "minute": 52, "second": 23}
